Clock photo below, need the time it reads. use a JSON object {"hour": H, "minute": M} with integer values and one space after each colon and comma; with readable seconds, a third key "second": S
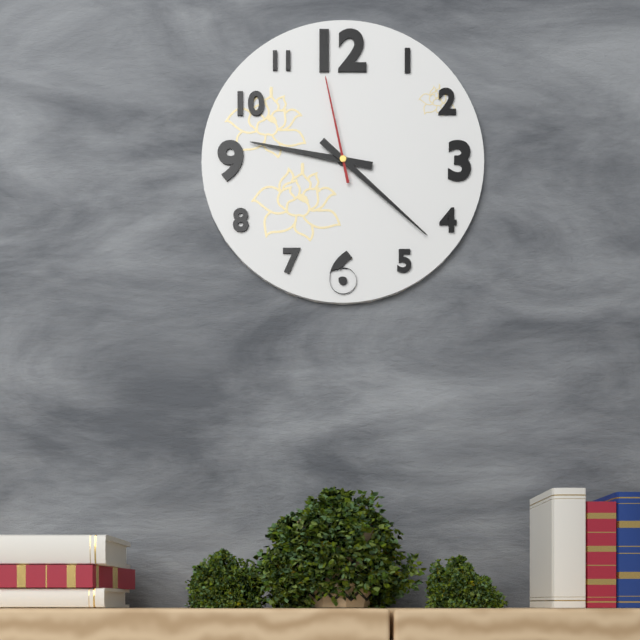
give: {"hour": 9, "minute": 22, "second": 58}
